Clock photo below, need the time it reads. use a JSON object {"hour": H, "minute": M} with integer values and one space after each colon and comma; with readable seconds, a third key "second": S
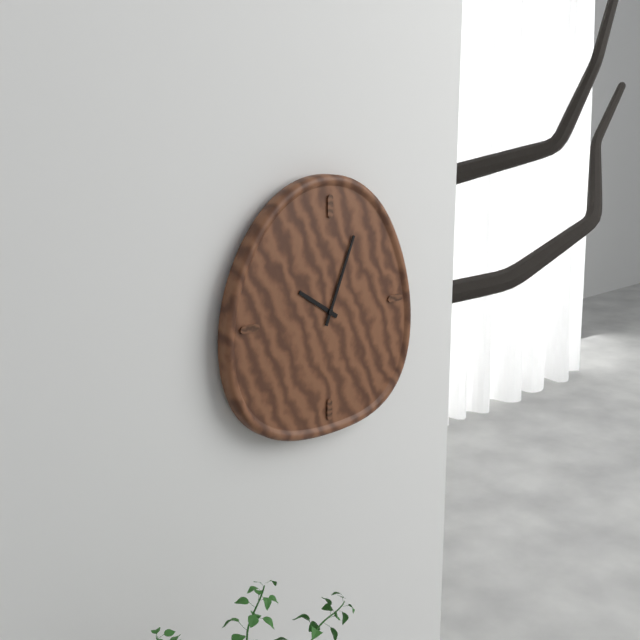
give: {"hour": 10, "minute": 4}
